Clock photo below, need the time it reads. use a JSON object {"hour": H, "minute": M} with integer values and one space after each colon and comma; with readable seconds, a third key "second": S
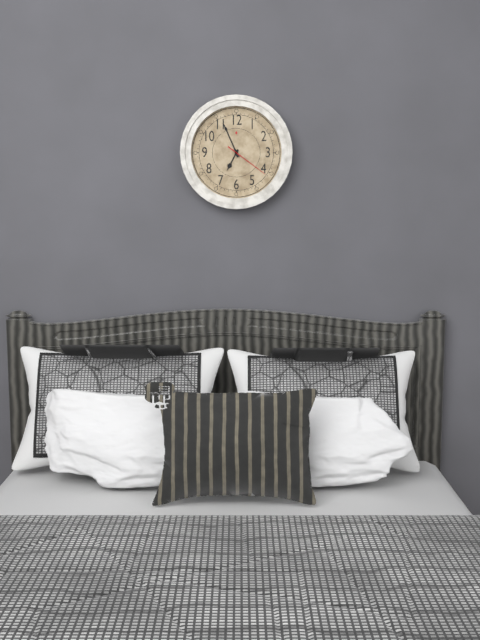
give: {"hour": 6, "minute": 56}
